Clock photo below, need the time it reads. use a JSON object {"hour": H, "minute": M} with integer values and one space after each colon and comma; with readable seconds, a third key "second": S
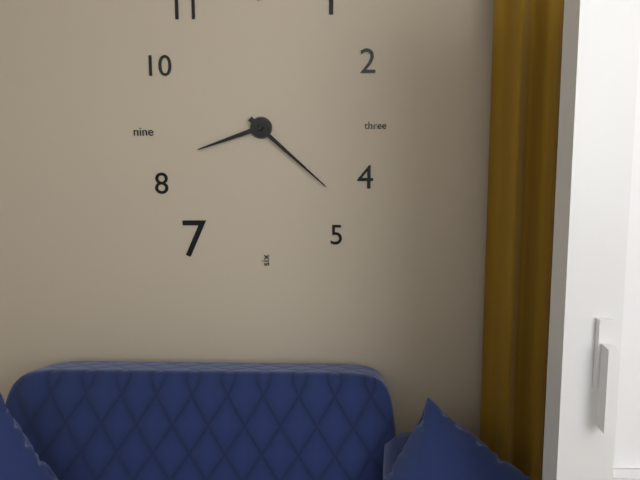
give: {"hour": 8, "minute": 22}
